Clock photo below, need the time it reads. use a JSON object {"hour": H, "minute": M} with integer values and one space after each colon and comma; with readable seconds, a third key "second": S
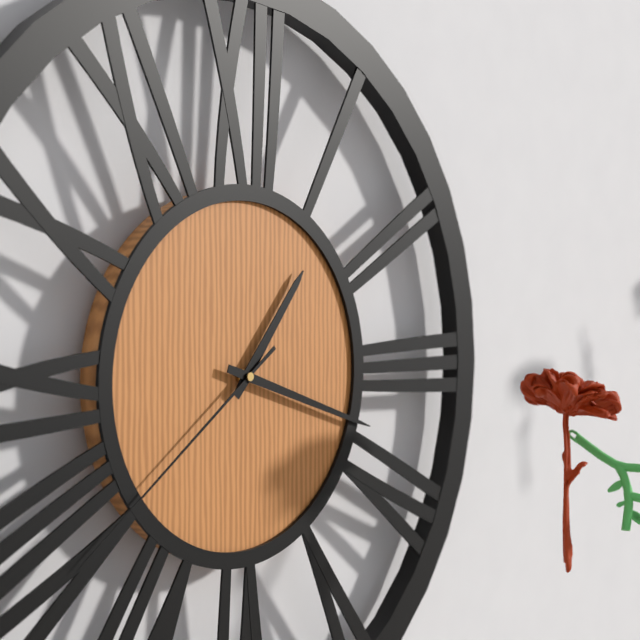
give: {"hour": 1, "minute": 18, "second": 39}
